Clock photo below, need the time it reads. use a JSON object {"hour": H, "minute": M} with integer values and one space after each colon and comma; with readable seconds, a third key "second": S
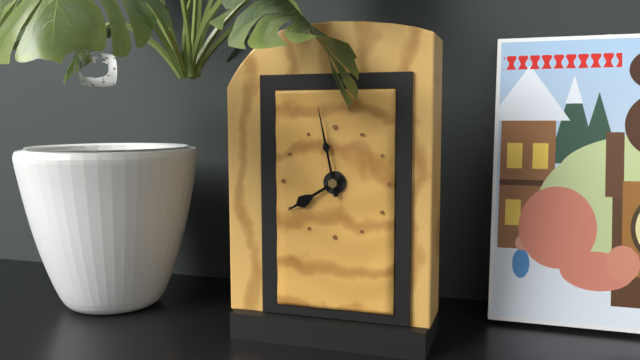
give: {"hour": 7, "minute": 58}
